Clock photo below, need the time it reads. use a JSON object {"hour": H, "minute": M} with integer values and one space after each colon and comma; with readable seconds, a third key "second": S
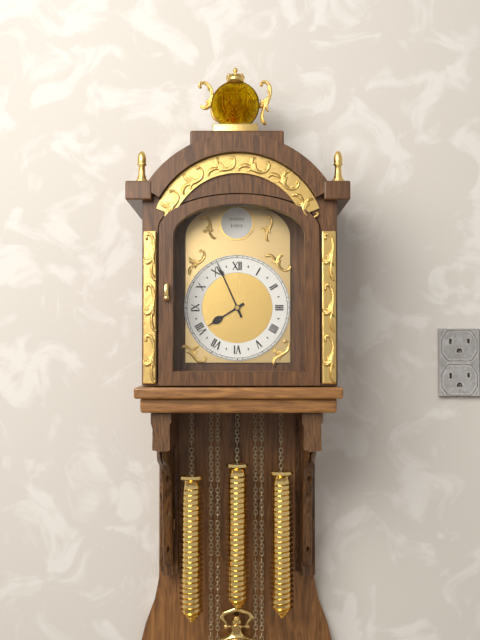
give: {"hour": 7, "minute": 56}
